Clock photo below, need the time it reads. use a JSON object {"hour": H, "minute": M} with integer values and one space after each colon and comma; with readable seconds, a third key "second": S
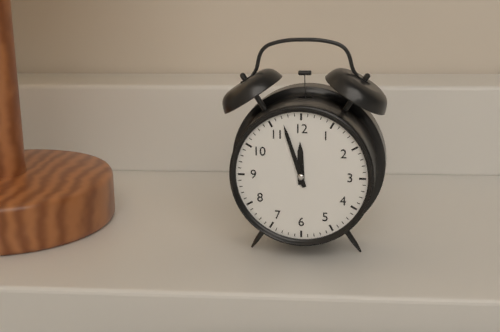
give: {"hour": 11, "minute": 57}
